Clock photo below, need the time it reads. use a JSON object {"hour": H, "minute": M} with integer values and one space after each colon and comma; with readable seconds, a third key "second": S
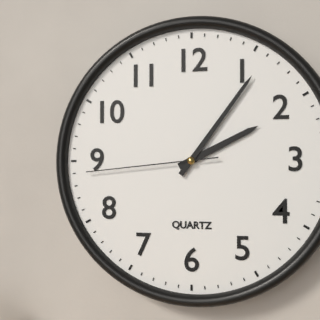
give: {"hour": 2, "minute": 6, "second": 44}
